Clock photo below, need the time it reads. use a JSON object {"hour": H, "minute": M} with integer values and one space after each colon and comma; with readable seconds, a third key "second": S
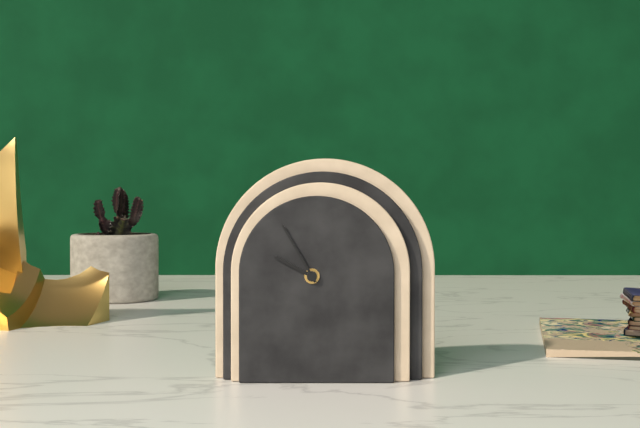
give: {"hour": 9, "minute": 55}
